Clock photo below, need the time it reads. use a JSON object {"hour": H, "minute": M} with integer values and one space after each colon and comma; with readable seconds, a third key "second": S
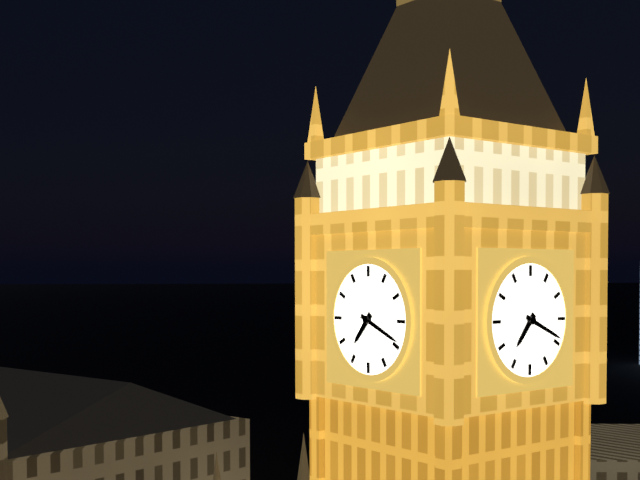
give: {"hour": 7, "minute": 19}
